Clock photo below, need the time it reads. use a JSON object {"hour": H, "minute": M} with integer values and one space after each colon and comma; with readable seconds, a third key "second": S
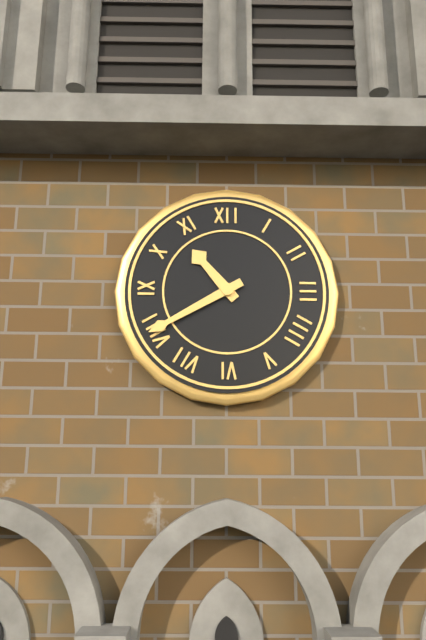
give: {"hour": 10, "minute": 40}
